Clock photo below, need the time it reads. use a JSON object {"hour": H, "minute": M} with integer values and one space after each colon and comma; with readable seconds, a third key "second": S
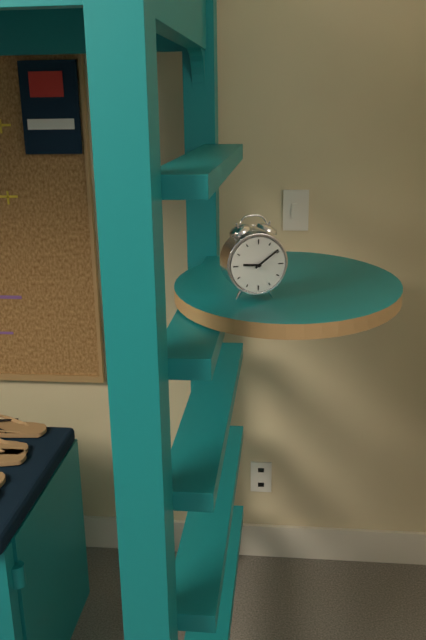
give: {"hour": 9, "minute": 9}
